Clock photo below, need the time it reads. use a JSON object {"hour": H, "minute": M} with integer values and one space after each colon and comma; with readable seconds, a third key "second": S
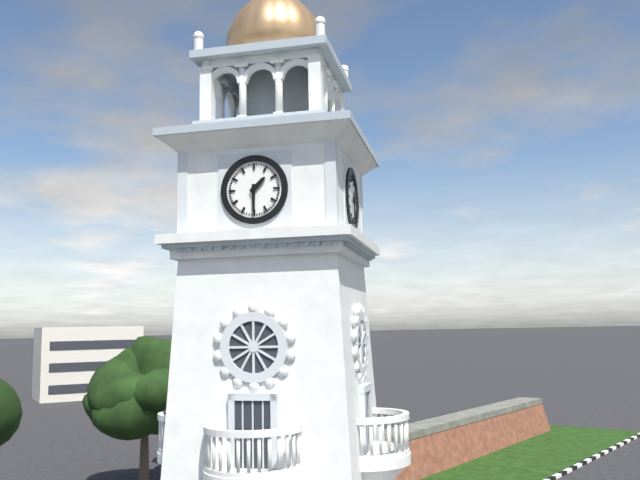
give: {"hour": 1, "minute": 30}
